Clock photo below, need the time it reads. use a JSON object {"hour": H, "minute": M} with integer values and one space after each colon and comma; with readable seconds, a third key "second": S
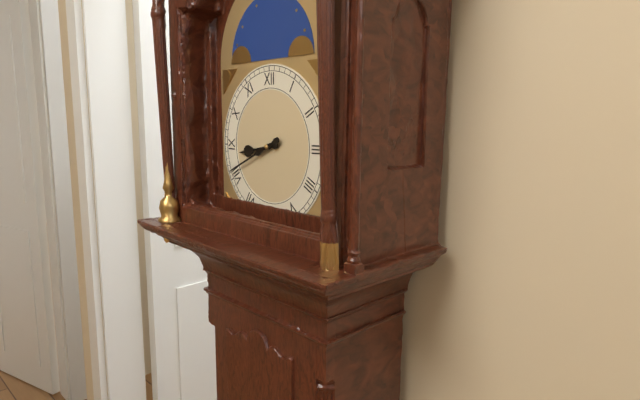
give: {"hour": 8, "minute": 41}
